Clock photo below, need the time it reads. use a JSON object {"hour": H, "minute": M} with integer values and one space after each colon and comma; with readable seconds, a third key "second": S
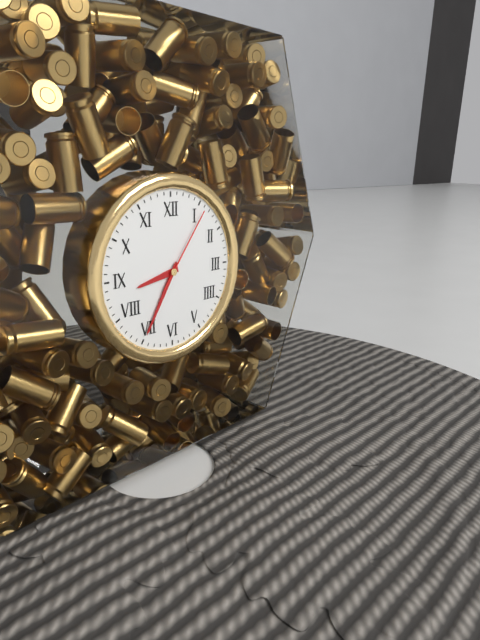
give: {"hour": 8, "minute": 35, "second": 6}
